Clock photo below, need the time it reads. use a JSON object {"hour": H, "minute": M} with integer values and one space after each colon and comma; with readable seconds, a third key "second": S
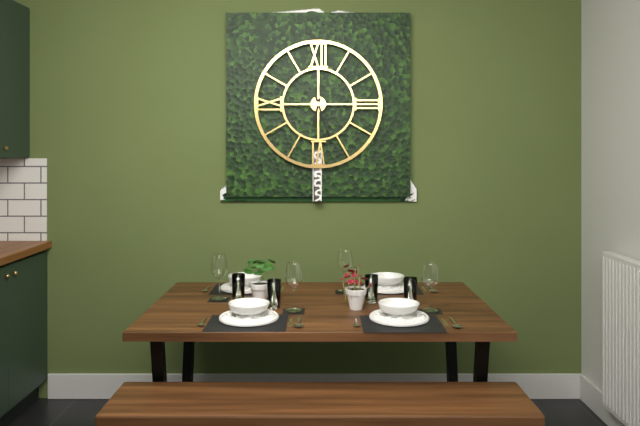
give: {"hour": 6, "minute": 27}
